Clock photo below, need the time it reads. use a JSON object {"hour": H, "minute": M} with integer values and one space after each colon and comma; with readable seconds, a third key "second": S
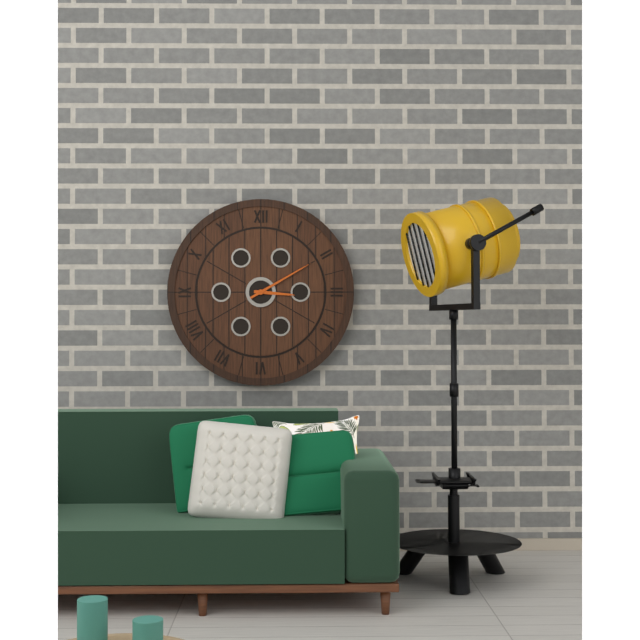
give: {"hour": 3, "minute": 10}
